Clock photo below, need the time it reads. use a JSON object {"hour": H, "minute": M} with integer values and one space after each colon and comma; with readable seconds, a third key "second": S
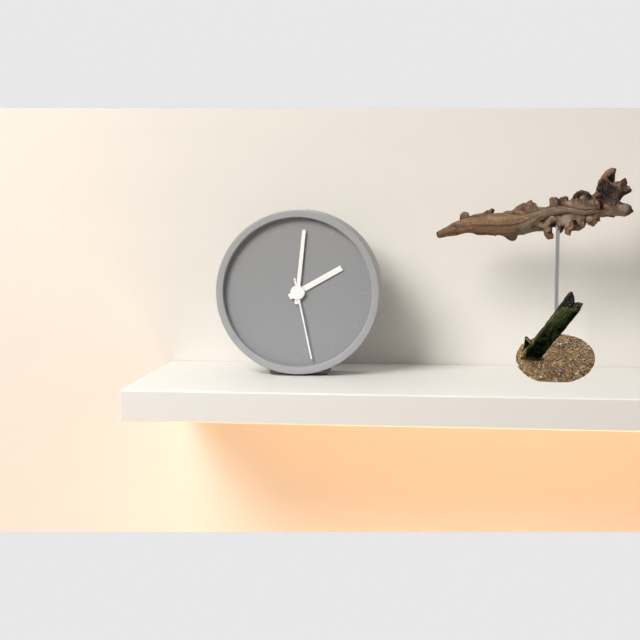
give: {"hour": 2, "minute": 1, "second": 28}
